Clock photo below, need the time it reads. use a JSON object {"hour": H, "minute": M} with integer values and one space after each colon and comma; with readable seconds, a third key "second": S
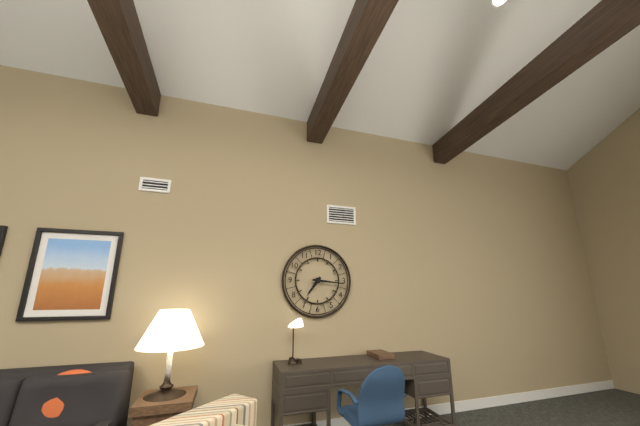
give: {"hour": 7, "minute": 16}
